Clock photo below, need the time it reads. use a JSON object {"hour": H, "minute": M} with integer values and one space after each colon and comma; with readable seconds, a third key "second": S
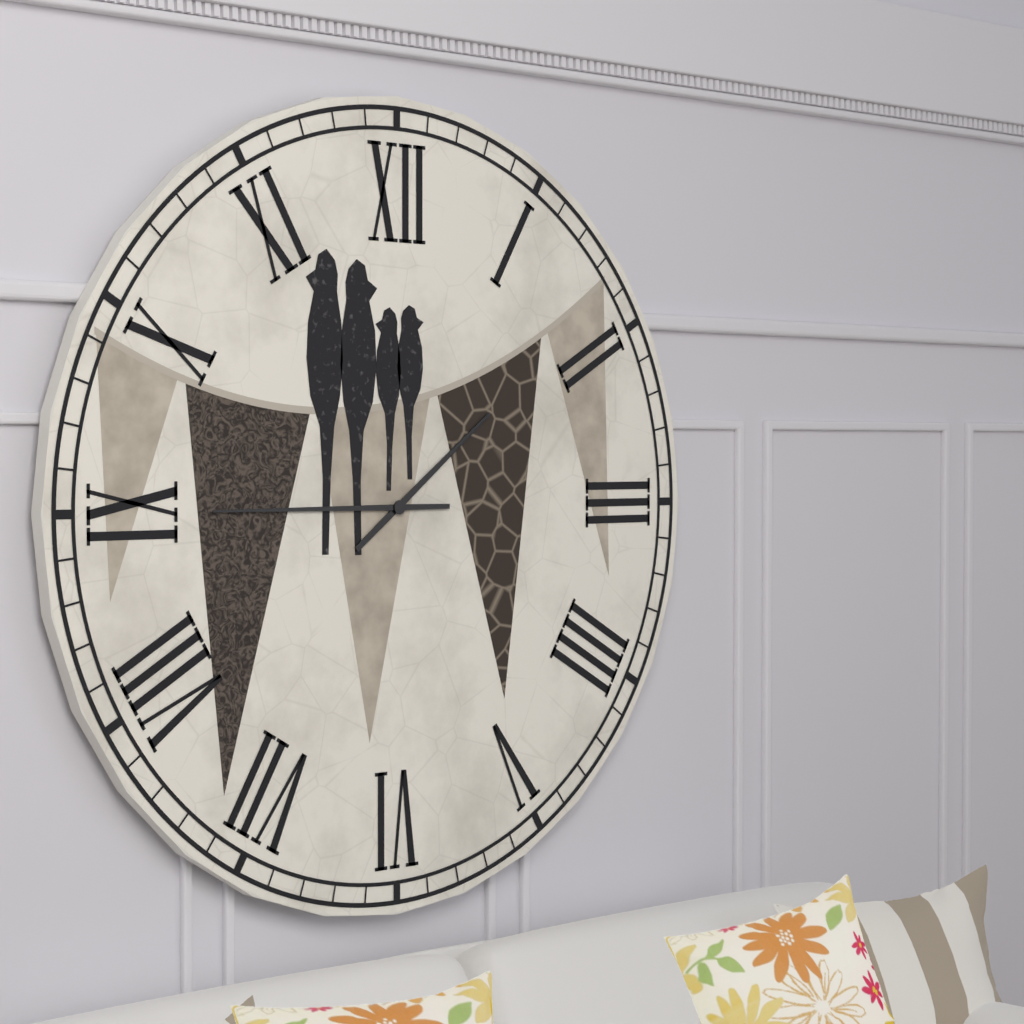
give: {"hour": 1, "minute": 45}
